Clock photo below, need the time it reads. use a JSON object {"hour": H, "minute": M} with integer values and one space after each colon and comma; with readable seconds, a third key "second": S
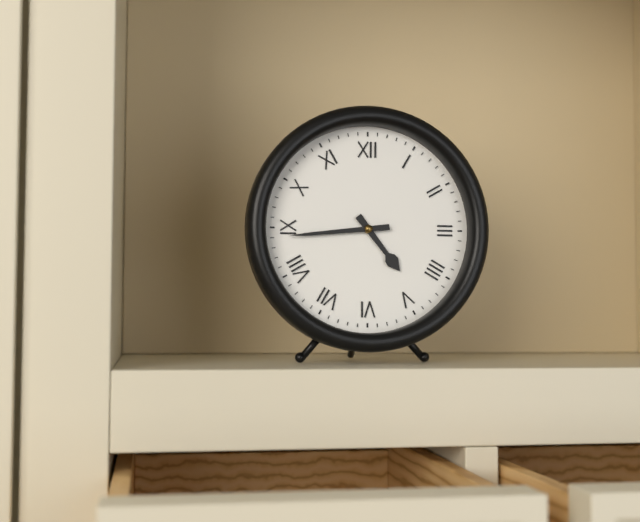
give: {"hour": 4, "minute": 44}
